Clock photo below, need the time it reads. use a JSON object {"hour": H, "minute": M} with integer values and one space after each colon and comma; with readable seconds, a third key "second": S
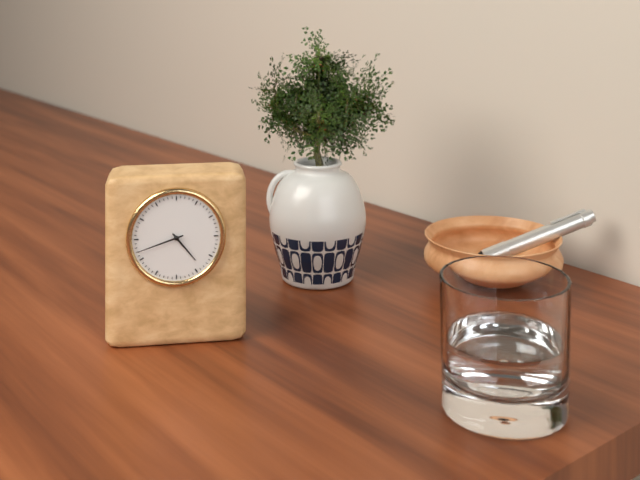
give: {"hour": 4, "minute": 42}
